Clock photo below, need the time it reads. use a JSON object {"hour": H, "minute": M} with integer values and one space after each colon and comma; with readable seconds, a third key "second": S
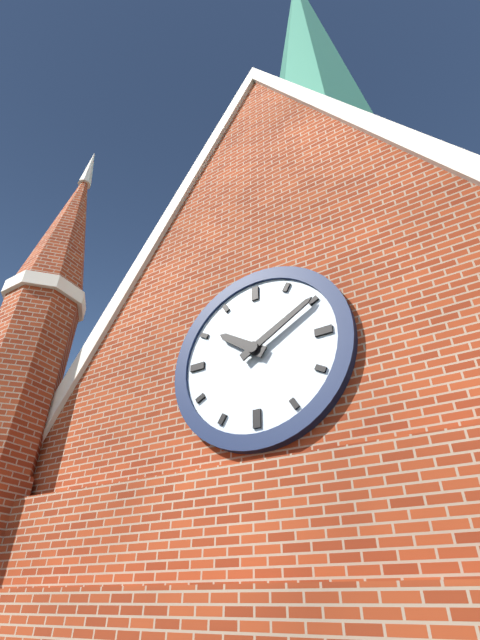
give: {"hour": 10, "minute": 10}
